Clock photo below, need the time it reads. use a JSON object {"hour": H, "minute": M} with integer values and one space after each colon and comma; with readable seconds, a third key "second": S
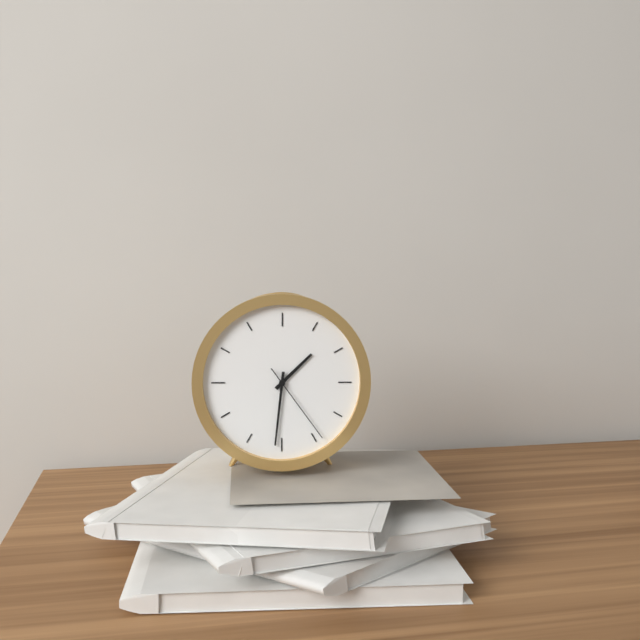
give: {"hour": 1, "minute": 31, "second": 24}
